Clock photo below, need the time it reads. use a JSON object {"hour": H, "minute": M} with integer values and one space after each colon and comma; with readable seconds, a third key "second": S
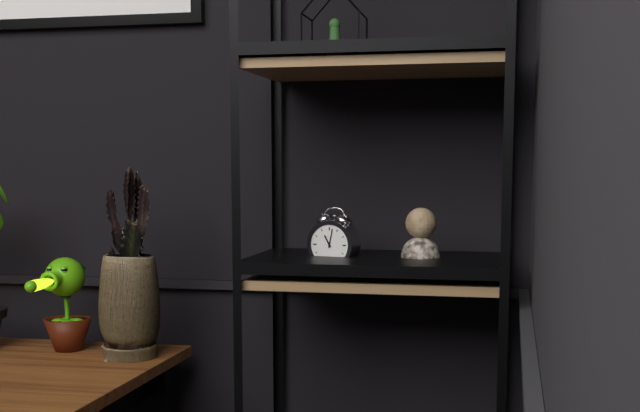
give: {"hour": 11, "minute": 2}
